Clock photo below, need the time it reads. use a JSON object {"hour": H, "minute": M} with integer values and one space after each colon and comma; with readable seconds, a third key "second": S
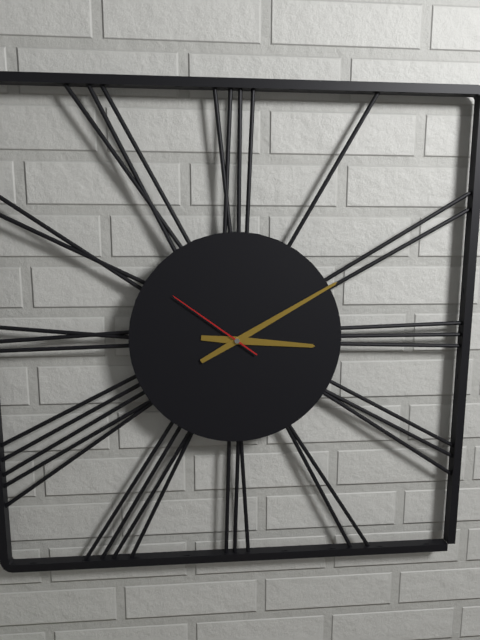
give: {"hour": 3, "minute": 10, "second": 51}
